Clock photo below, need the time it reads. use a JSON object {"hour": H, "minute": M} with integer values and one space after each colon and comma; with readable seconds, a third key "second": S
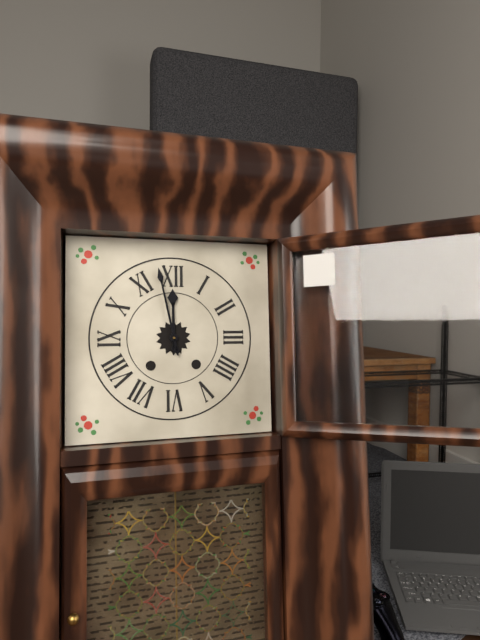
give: {"hour": 11, "minute": 58}
